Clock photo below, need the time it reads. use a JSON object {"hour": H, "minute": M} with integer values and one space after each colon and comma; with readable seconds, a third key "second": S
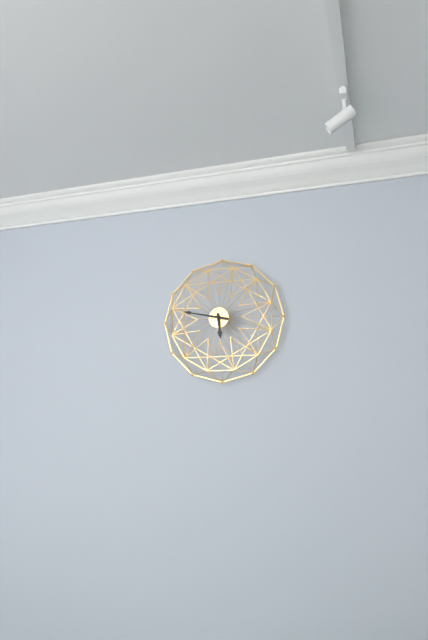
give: {"hour": 5, "minute": 47}
